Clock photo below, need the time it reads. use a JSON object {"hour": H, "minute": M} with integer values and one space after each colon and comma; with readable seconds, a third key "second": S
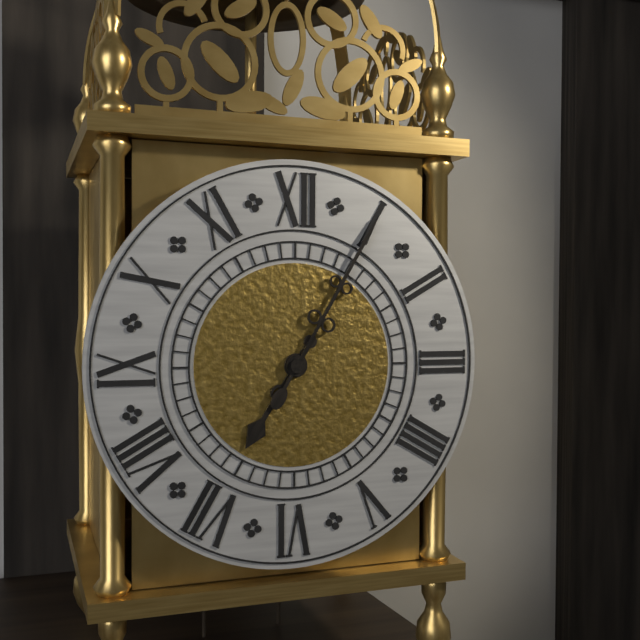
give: {"hour": 7, "minute": 5}
